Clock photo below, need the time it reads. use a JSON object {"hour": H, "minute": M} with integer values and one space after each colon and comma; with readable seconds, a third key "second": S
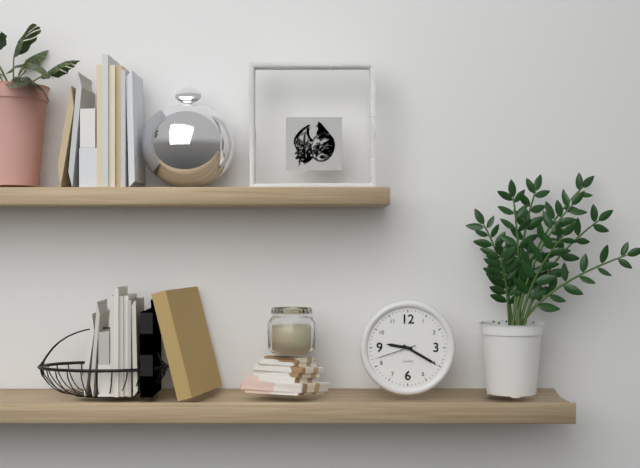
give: {"hour": 9, "minute": 20}
